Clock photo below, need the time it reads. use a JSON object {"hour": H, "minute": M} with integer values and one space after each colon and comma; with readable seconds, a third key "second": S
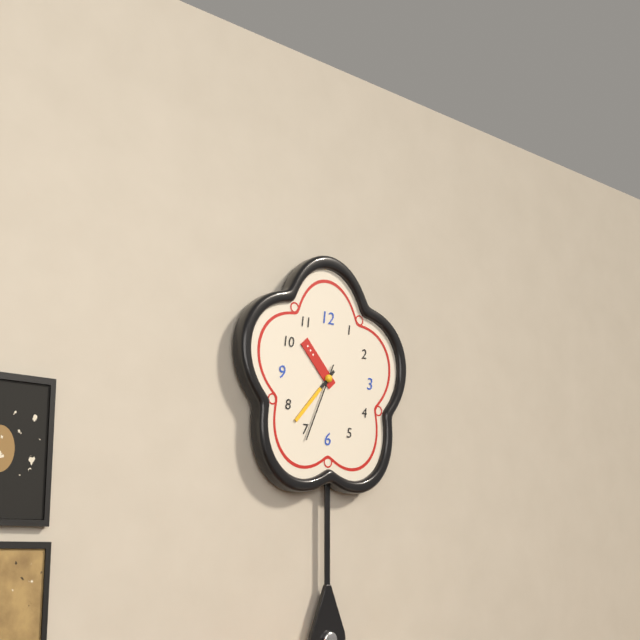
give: {"hour": 10, "minute": 37, "second": 34}
